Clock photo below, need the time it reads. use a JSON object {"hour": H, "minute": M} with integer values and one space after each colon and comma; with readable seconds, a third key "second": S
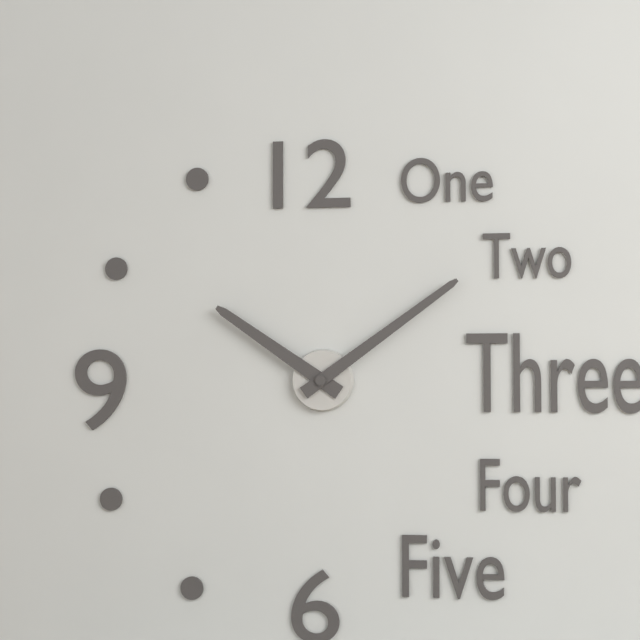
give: {"hour": 10, "minute": 9}
